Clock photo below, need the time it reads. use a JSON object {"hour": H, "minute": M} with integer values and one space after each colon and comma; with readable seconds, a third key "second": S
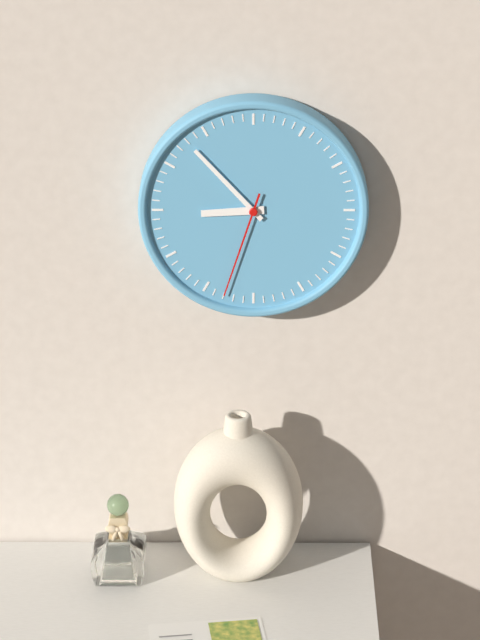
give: {"hour": 8, "minute": 53, "second": 33}
